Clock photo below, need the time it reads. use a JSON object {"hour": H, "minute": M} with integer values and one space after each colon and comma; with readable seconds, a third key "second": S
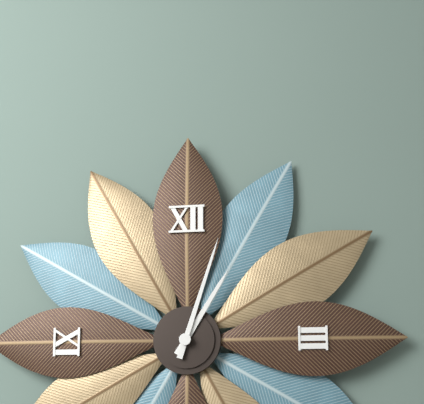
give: {"hour": 1, "minute": 3}
